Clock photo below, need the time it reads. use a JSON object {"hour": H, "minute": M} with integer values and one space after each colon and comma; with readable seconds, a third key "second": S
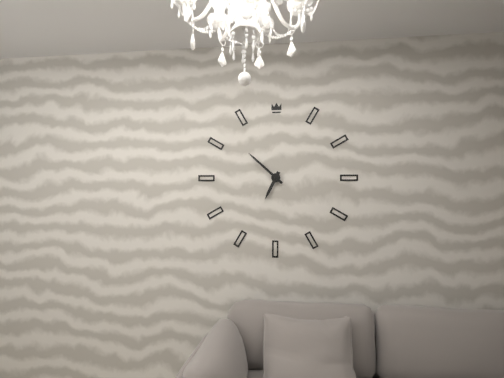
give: {"hour": 6, "minute": 52}
